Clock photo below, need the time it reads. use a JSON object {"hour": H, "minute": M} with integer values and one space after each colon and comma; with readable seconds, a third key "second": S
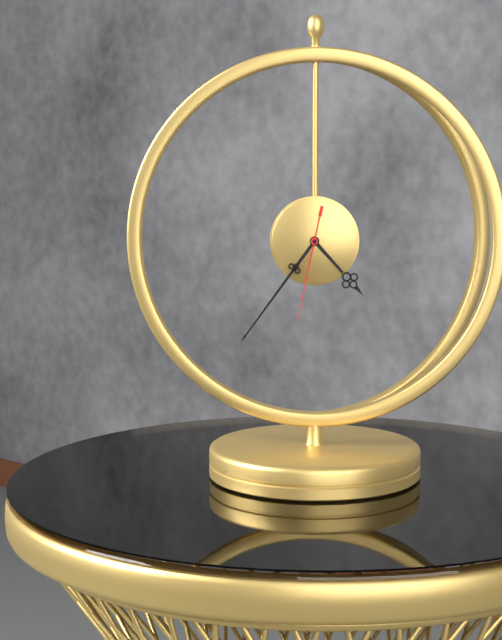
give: {"hour": 4, "minute": 36, "second": 32}
